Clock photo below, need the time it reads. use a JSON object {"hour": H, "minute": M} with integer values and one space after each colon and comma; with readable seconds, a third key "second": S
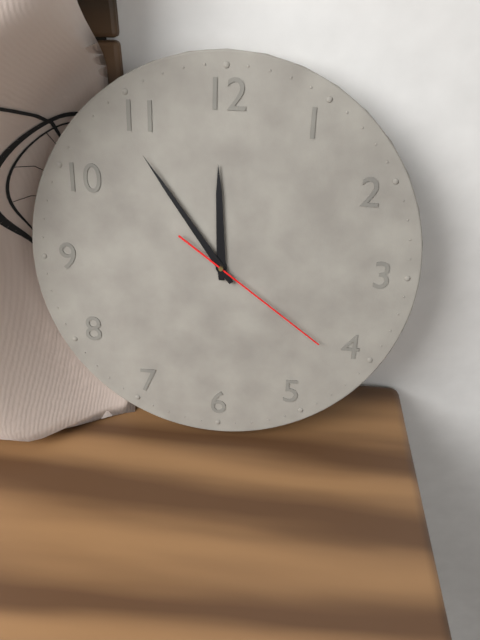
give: {"hour": 11, "minute": 54, "second": 21}
